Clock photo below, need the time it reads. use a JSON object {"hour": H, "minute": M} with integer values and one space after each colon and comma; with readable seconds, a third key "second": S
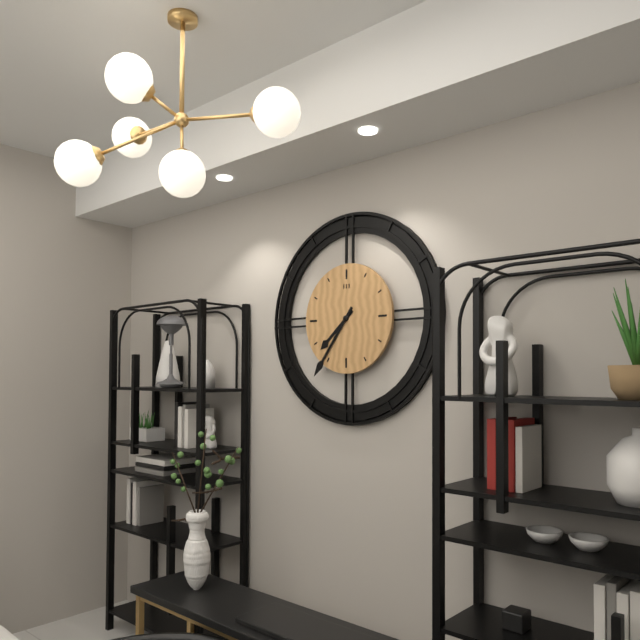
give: {"hour": 7, "minute": 36}
